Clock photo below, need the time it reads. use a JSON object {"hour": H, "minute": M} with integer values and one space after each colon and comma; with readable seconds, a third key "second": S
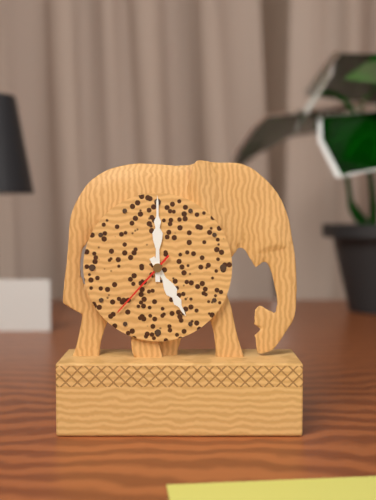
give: {"hour": 5, "minute": 0, "second": 37}
